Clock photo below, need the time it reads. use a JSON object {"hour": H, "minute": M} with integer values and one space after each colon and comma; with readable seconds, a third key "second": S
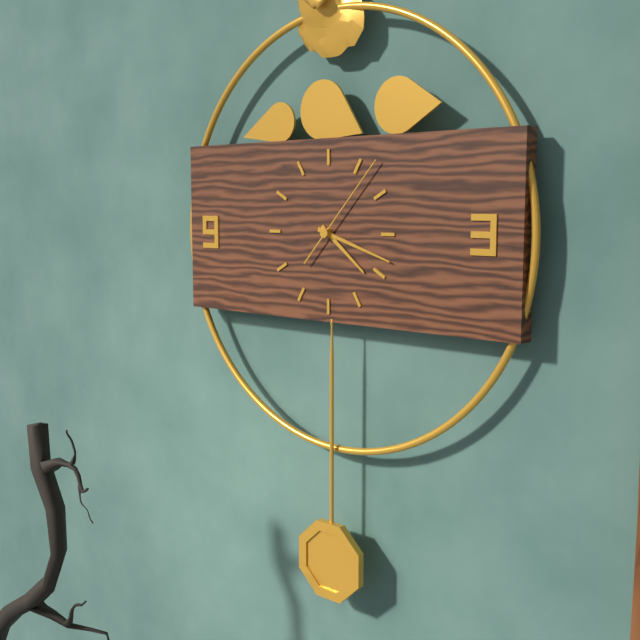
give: {"hour": 4, "minute": 18, "second": 7}
